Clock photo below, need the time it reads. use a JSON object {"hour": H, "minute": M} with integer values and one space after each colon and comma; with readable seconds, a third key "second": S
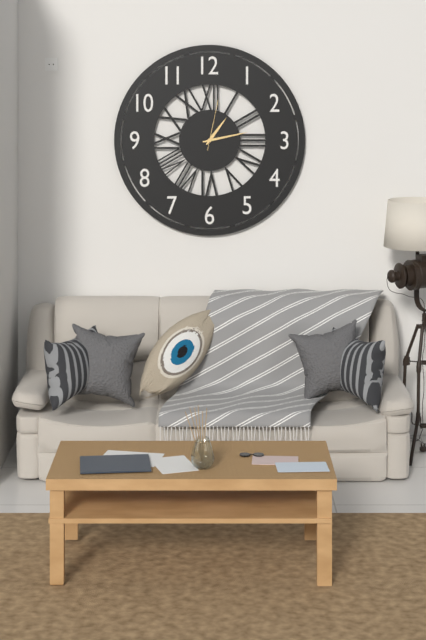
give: {"hour": 1, "minute": 13, "second": 2}
